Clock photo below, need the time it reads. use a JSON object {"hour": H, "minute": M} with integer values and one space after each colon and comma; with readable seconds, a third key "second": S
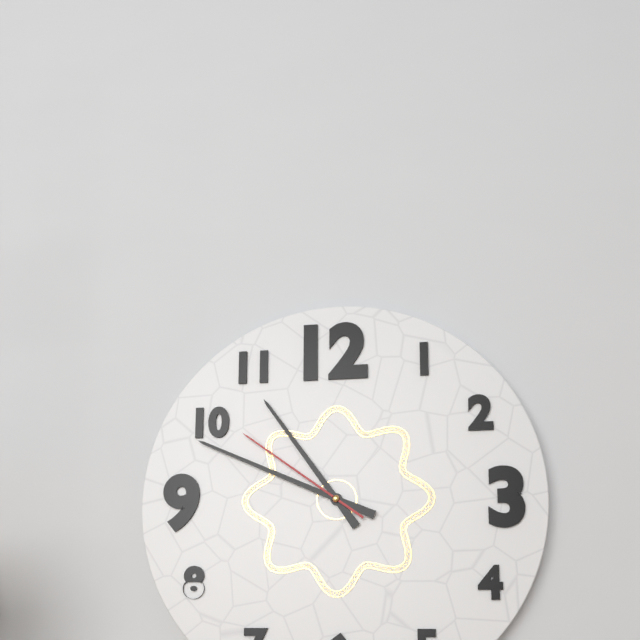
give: {"hour": 10, "minute": 49, "second": 51}
